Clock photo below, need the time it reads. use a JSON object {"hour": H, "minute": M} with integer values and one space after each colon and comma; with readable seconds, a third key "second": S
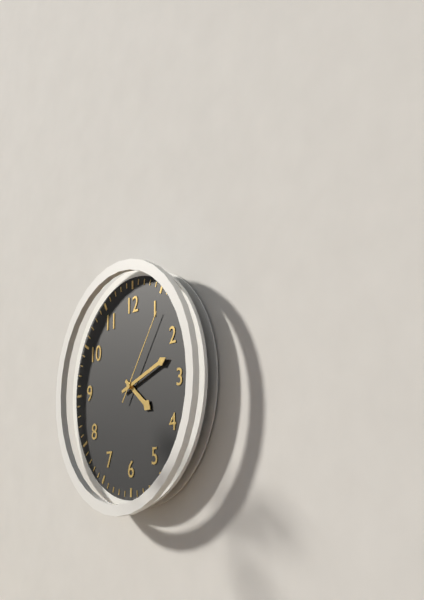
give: {"hour": 4, "minute": 12, "second": 6}
